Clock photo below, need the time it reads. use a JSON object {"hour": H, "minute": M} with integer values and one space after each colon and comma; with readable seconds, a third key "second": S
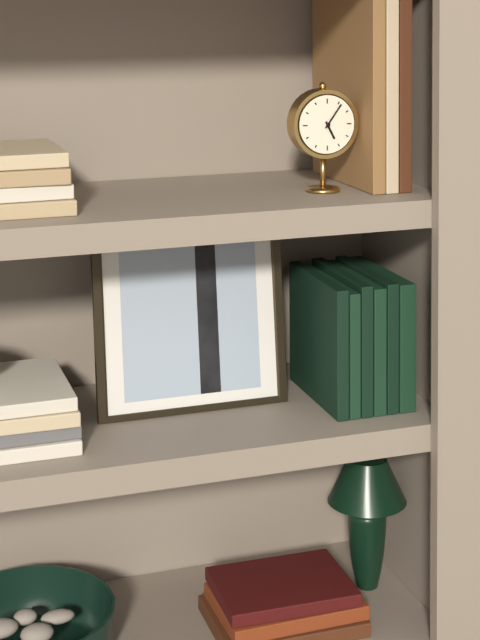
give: {"hour": 5, "minute": 6}
